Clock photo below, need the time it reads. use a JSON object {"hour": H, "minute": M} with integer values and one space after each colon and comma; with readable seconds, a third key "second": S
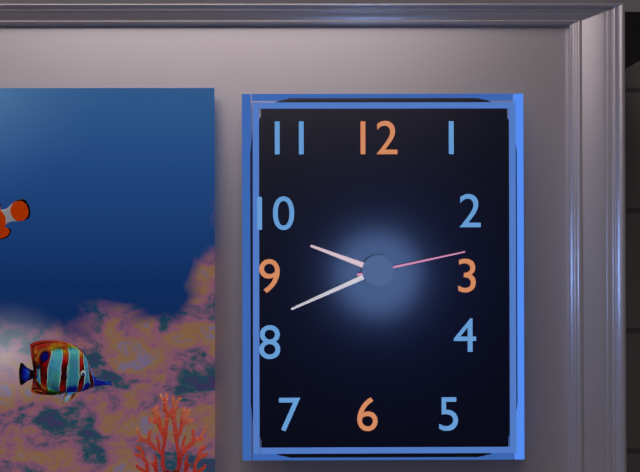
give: {"hour": 9, "minute": 41, "second": 13}
